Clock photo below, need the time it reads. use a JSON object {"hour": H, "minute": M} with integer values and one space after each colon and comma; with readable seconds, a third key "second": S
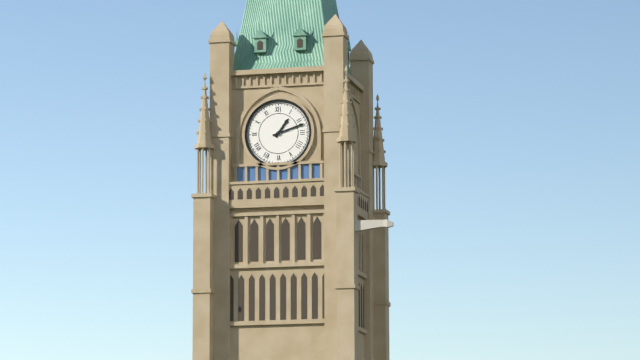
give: {"hour": 1, "minute": 12}
